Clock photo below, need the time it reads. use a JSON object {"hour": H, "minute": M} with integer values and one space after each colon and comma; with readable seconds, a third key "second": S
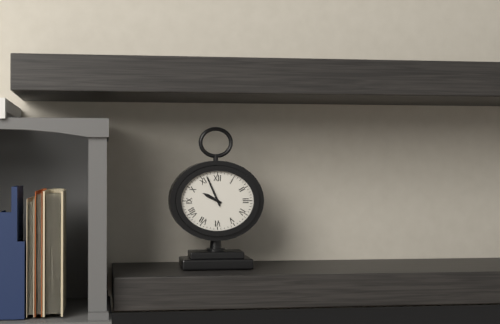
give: {"hour": 9, "minute": 56}
